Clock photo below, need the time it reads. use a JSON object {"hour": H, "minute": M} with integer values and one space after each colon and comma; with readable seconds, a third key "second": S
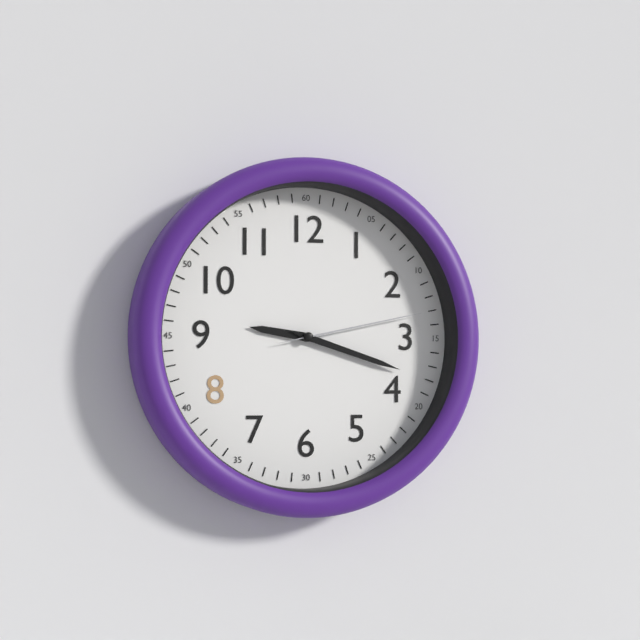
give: {"hour": 9, "minute": 18, "second": 13}
